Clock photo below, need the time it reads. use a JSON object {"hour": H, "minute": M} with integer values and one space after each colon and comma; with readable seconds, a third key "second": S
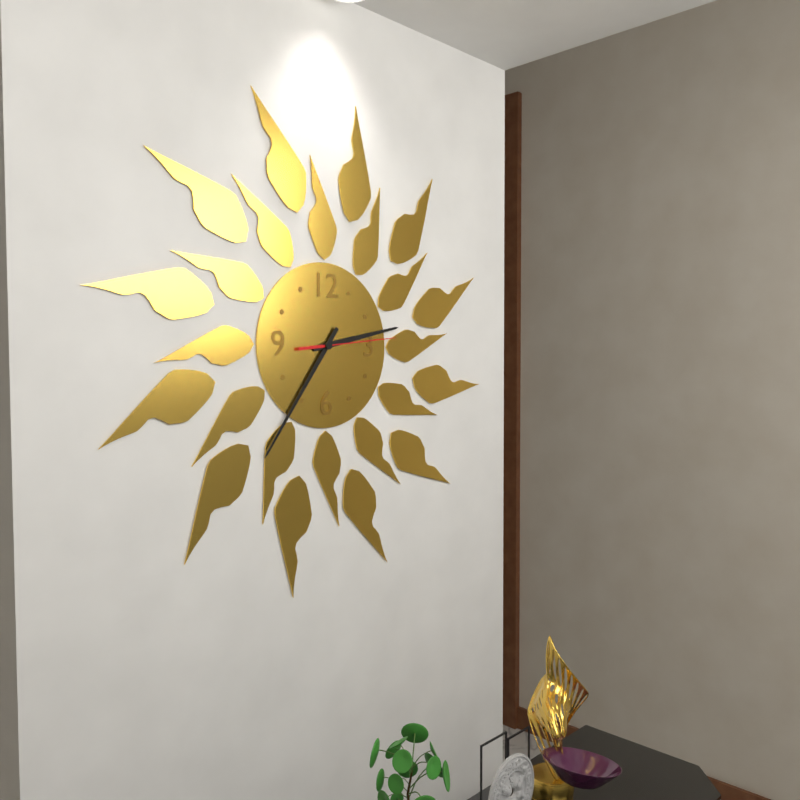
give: {"hour": 2, "minute": 36, "second": 14}
